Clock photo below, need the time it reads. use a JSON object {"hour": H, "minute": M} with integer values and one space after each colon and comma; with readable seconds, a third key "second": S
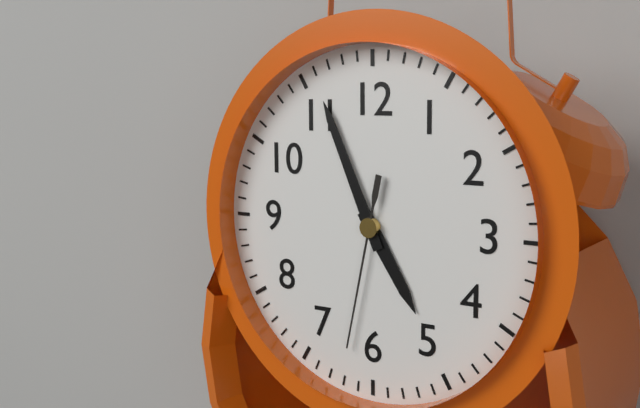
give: {"hour": 4, "minute": 56, "second": 32}
